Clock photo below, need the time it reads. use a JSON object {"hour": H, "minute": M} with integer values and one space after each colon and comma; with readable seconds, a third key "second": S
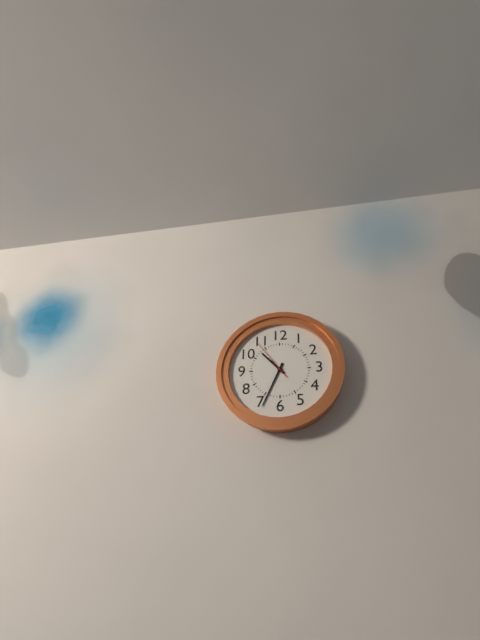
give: {"hour": 10, "minute": 34}
